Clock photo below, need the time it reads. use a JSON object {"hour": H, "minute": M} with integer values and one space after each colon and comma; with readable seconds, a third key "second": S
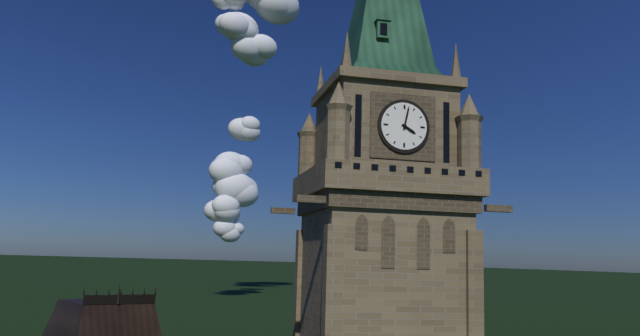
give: {"hour": 4, "minute": 2}
